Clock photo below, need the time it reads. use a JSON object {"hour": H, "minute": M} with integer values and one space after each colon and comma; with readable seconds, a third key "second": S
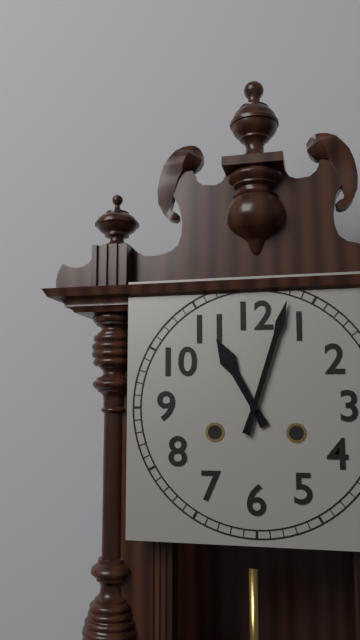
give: {"hour": 11, "minute": 3}
